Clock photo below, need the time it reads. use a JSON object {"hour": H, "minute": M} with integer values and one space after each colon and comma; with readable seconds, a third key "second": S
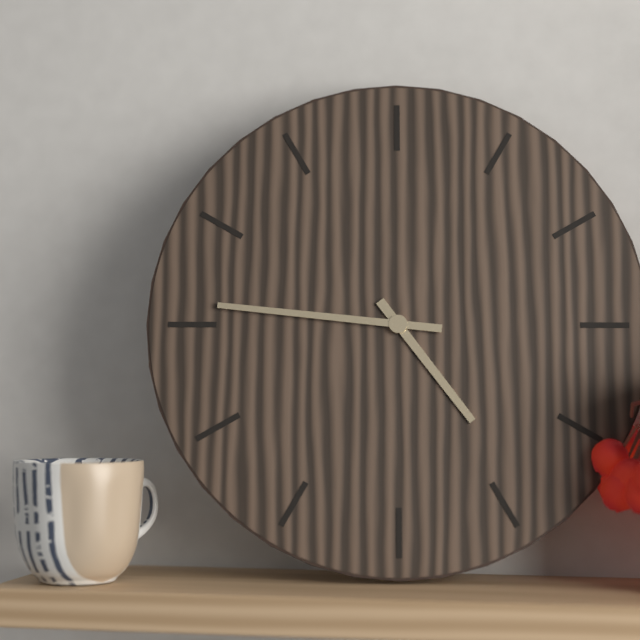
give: {"hour": 4, "minute": 46}
